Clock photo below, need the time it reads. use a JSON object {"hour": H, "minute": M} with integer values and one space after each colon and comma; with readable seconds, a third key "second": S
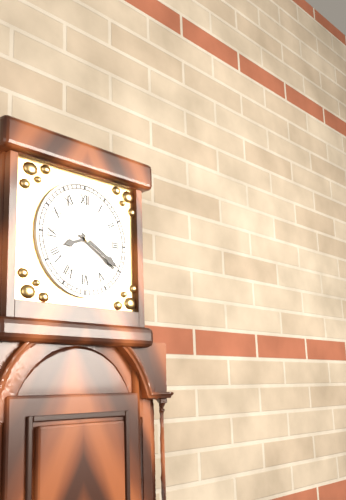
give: {"hour": 8, "minute": 20}
